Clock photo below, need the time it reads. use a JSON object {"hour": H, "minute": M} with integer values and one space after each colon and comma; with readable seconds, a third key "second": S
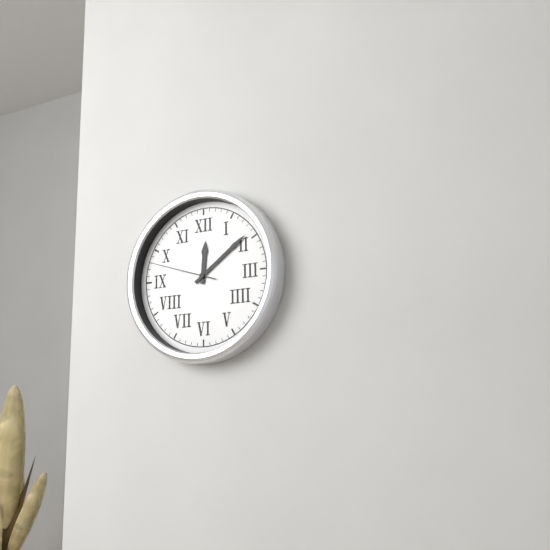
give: {"hour": 12, "minute": 9, "second": 48}
